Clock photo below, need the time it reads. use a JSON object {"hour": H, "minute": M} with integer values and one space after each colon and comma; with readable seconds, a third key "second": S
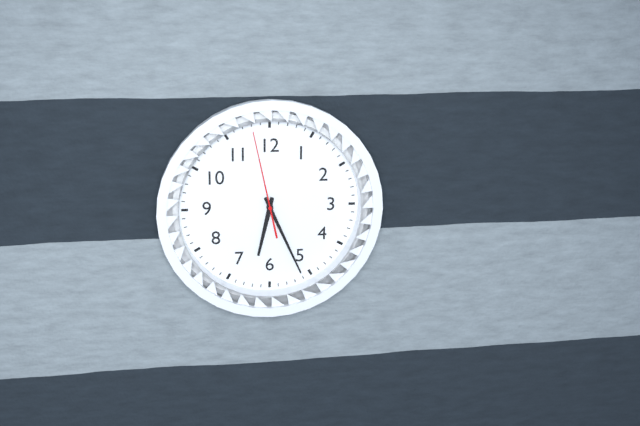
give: {"hour": 6, "minute": 26, "second": 58}
